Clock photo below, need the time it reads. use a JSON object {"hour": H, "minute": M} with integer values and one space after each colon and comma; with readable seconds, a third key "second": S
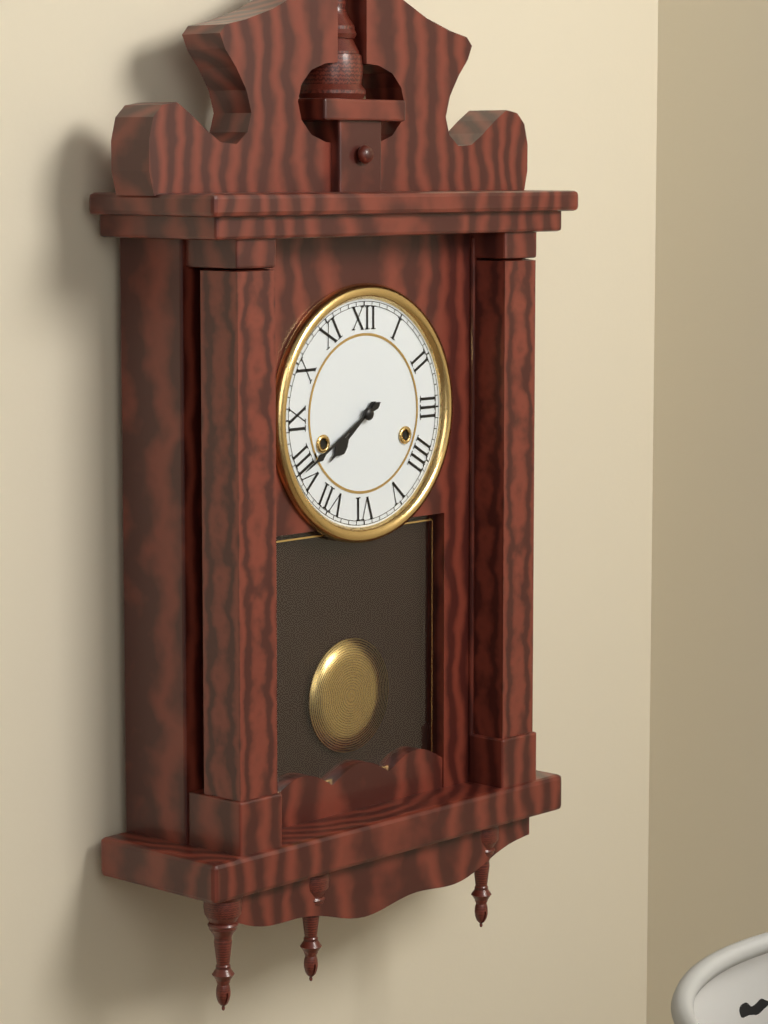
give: {"hour": 7, "minute": 40}
